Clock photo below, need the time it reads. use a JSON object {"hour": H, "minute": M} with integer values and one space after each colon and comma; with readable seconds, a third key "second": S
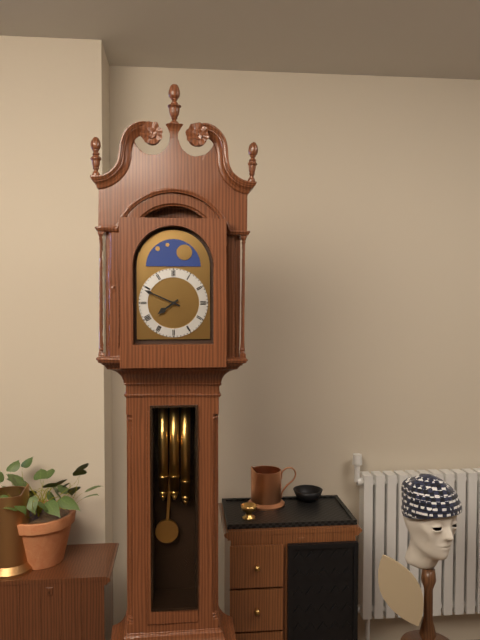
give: {"hour": 7, "minute": 49}
